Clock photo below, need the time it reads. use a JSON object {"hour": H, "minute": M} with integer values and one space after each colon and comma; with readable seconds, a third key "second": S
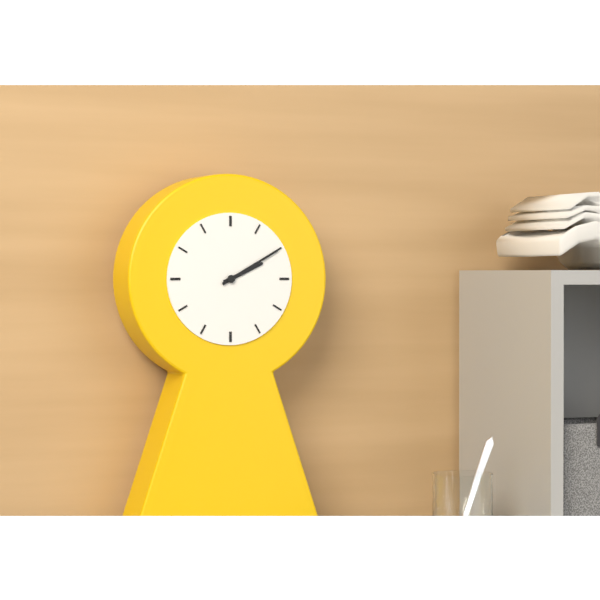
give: {"hour": 2, "minute": 10}
